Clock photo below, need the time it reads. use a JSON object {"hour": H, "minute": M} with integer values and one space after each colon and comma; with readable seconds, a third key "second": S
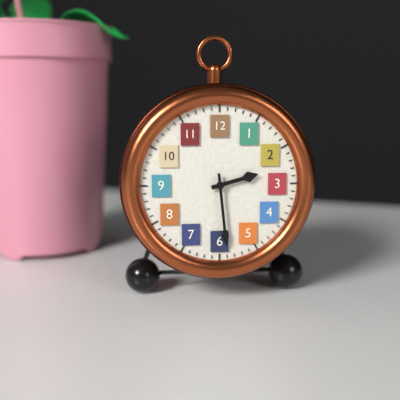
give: {"hour": 2, "minute": 29}
